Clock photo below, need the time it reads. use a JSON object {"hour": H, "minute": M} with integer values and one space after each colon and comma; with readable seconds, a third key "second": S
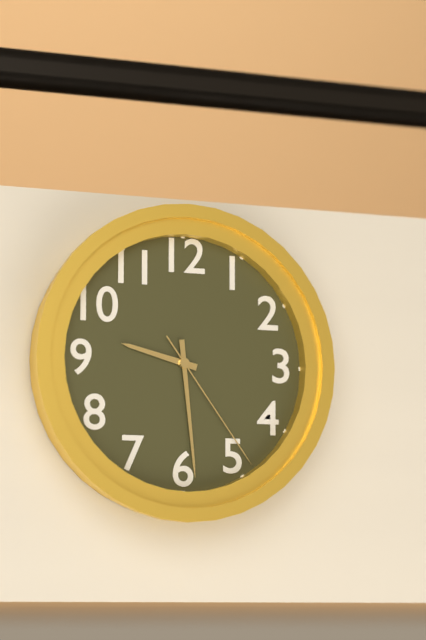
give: {"hour": 9, "minute": 29, "second": 24}
